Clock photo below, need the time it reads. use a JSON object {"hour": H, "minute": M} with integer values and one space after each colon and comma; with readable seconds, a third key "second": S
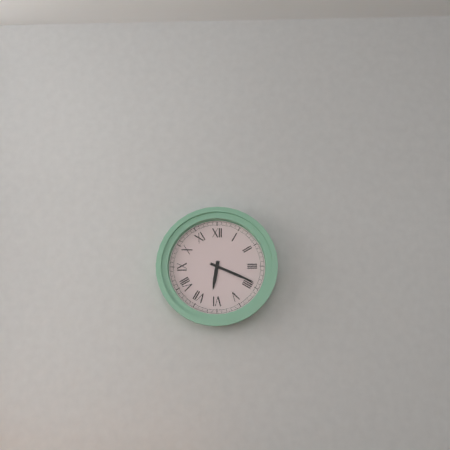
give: {"hour": 6, "minute": 19}
